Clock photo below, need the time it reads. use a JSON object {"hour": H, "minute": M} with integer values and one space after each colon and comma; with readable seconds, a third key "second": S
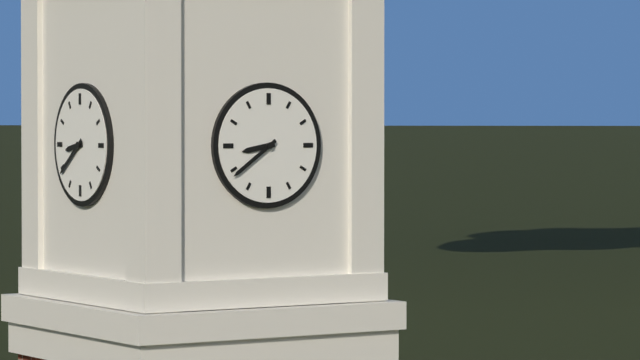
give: {"hour": 8, "minute": 39}
